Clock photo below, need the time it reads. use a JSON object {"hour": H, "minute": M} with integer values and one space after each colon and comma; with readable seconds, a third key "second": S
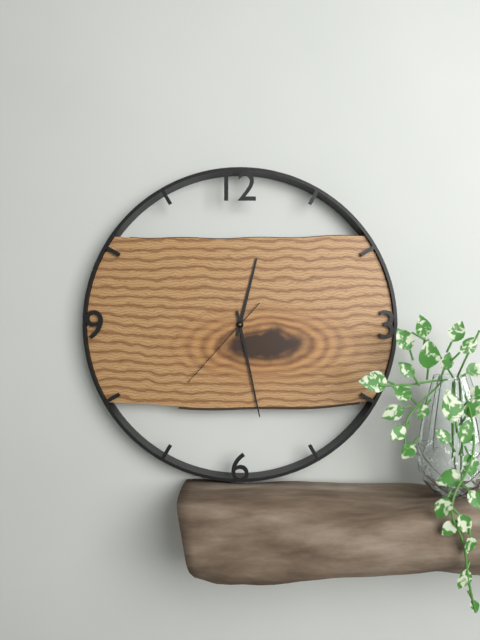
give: {"hour": 12, "minute": 28, "second": 37}
